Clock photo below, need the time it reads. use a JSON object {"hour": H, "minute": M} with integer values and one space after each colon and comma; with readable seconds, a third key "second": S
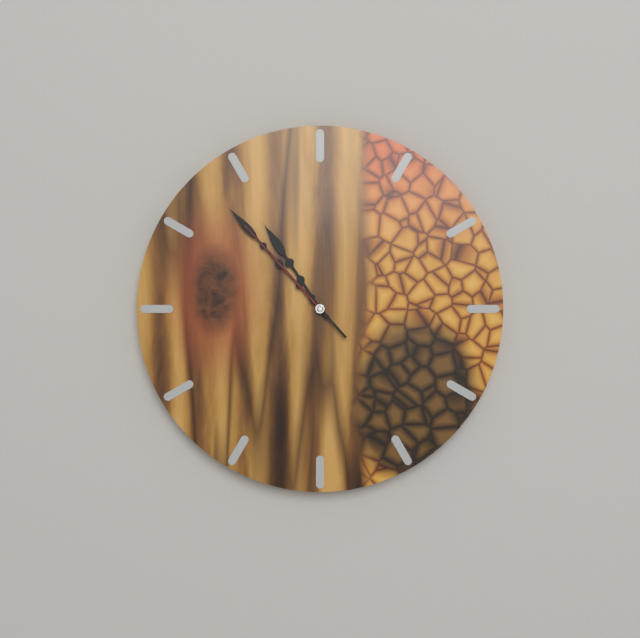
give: {"hour": 10, "minute": 53, "second": 53}
